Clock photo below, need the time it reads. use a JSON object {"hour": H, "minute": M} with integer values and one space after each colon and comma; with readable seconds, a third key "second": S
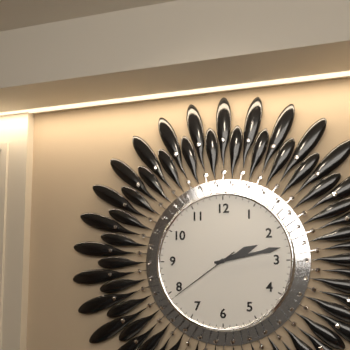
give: {"hour": 2, "minute": 13, "second": 39}
